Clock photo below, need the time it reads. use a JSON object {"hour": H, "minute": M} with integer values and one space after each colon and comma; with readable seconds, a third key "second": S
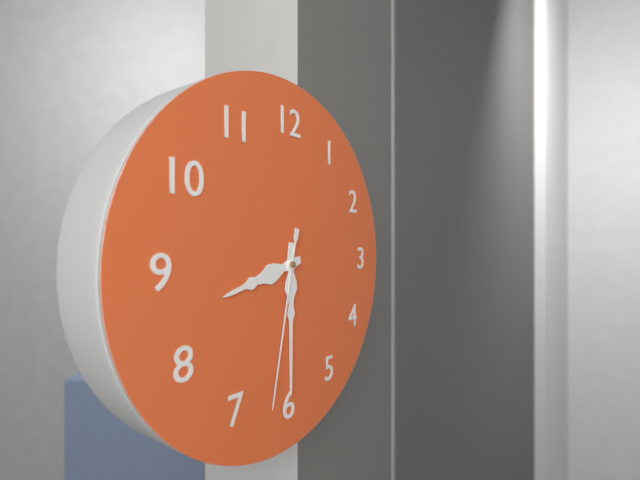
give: {"hour": 8, "minute": 30, "second": 32}
